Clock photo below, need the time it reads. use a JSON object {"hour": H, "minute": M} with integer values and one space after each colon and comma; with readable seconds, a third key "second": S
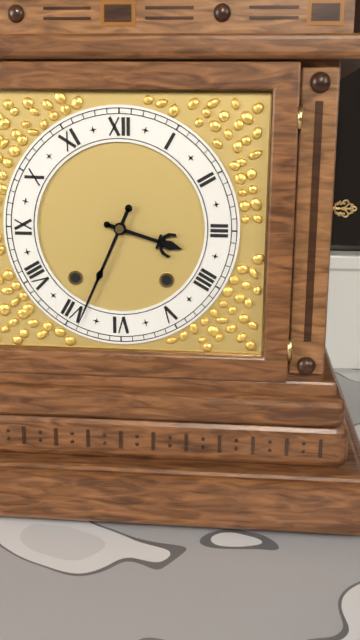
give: {"hour": 3, "minute": 34}
